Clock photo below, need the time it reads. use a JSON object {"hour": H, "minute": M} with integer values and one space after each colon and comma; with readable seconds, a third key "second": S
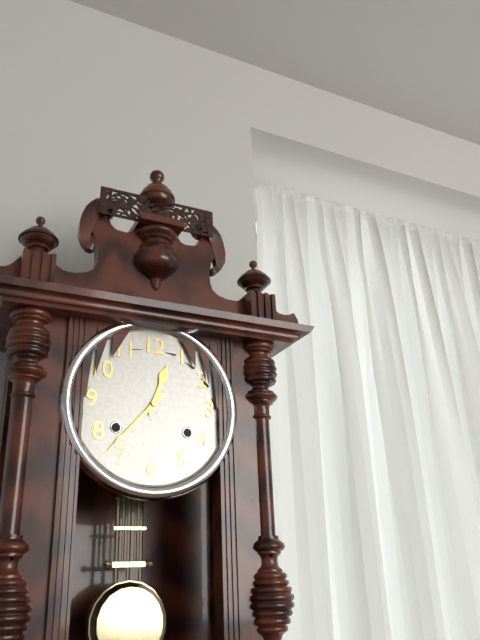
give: {"hour": 12, "minute": 37}
